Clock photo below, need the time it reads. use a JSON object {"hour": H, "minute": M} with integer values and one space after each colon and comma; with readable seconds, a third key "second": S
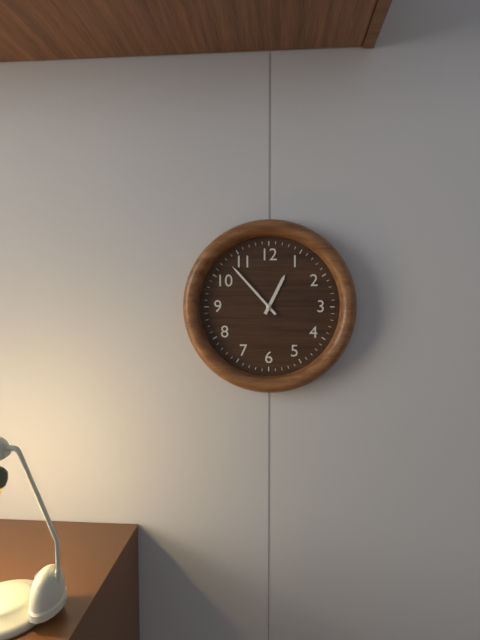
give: {"hour": 12, "minute": 53}
